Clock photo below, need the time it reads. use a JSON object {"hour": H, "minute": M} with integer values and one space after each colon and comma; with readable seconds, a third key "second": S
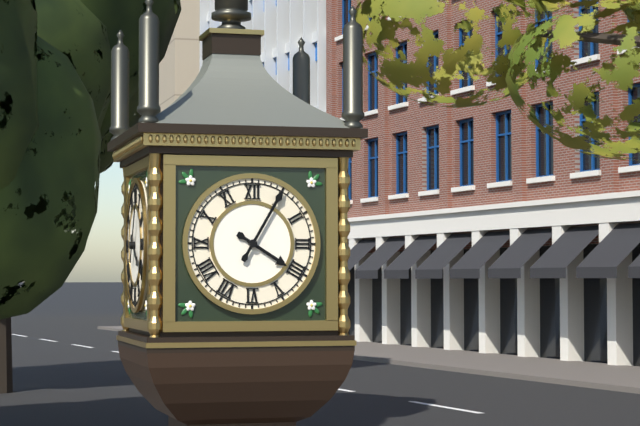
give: {"hour": 4, "minute": 5}
